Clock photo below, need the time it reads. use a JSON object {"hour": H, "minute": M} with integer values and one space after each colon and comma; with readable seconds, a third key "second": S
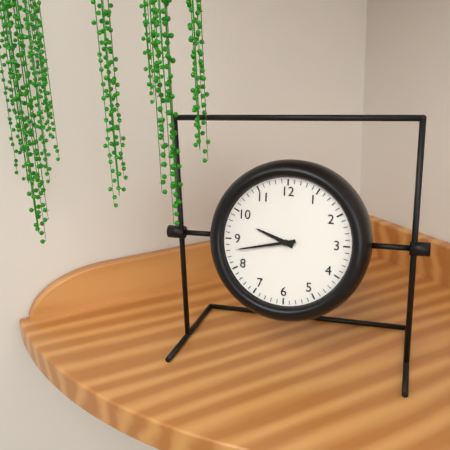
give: {"hour": 9, "minute": 43}
